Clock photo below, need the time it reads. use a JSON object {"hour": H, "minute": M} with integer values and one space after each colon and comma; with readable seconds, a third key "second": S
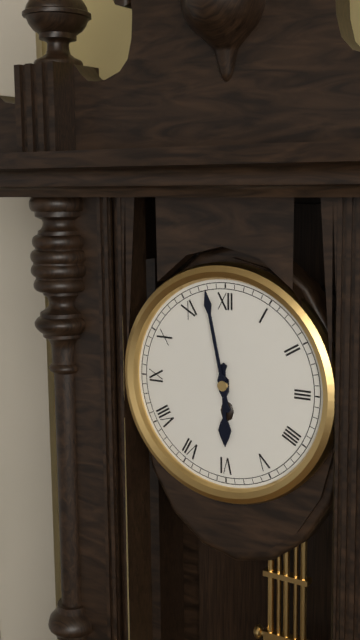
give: {"hour": 5, "minute": 58}
